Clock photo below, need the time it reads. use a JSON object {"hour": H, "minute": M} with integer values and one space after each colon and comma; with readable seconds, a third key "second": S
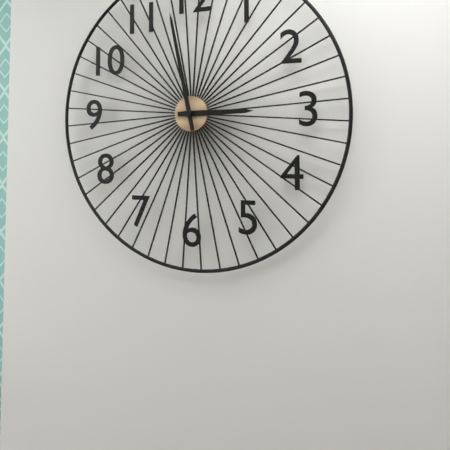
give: {"hour": 2, "minute": 58}
